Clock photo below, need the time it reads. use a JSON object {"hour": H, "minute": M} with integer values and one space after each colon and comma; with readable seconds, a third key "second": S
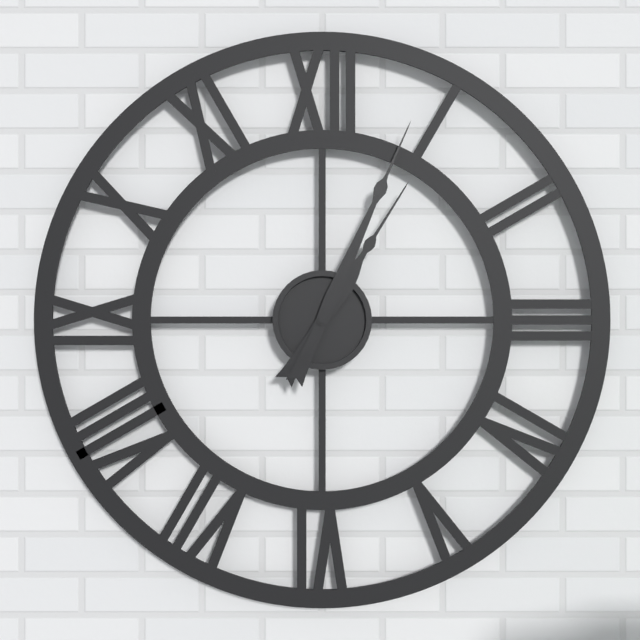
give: {"hour": 1, "minute": 4}
